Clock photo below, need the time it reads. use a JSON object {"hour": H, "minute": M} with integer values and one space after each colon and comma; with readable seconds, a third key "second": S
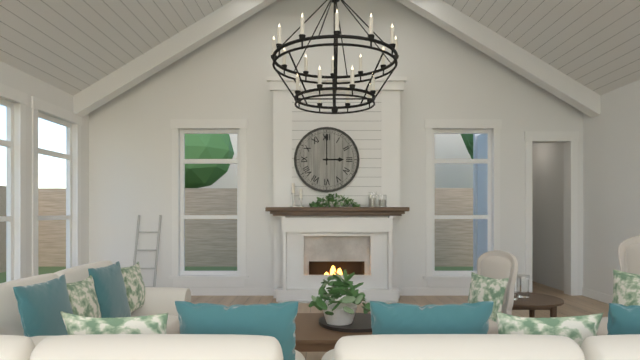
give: {"hour": 3, "minute": 0}
